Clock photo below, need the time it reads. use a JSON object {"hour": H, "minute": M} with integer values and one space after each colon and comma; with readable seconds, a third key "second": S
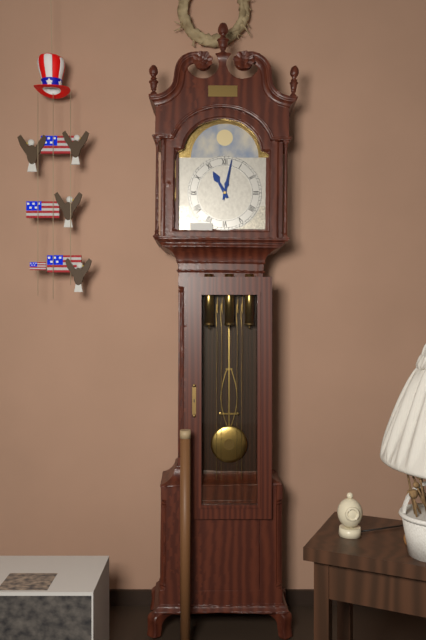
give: {"hour": 11, "minute": 2}
